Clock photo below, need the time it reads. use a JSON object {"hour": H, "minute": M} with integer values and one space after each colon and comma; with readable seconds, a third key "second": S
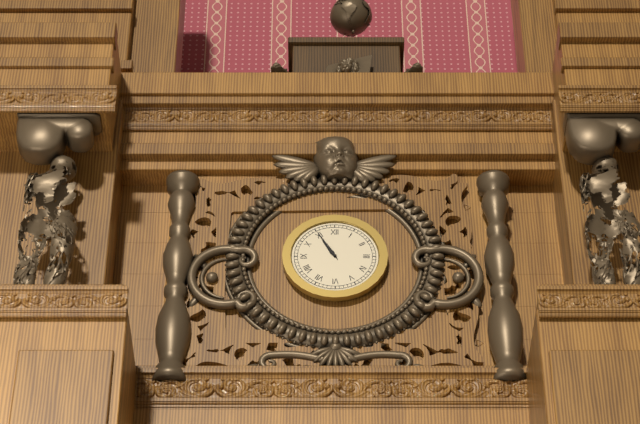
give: {"hour": 10, "minute": 55}
